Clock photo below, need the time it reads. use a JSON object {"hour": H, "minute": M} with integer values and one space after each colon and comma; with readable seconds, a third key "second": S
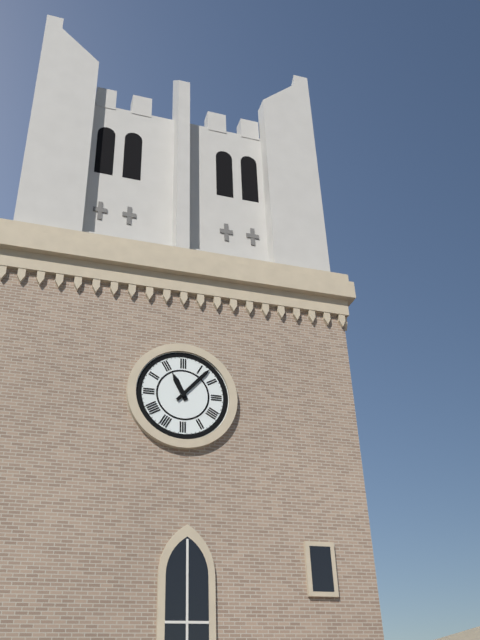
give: {"hour": 11, "minute": 7}
